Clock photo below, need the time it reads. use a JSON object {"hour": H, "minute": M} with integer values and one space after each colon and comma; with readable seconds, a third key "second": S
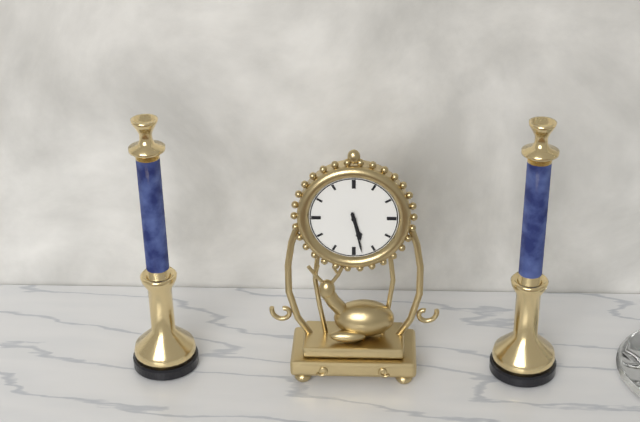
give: {"hour": 5, "minute": 28}
